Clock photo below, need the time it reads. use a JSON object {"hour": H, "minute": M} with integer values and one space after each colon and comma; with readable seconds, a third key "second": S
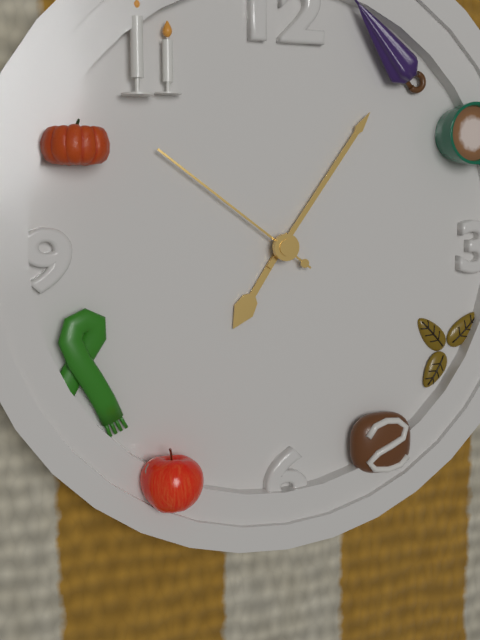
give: {"hour": 7, "minute": 6, "second": 51}
